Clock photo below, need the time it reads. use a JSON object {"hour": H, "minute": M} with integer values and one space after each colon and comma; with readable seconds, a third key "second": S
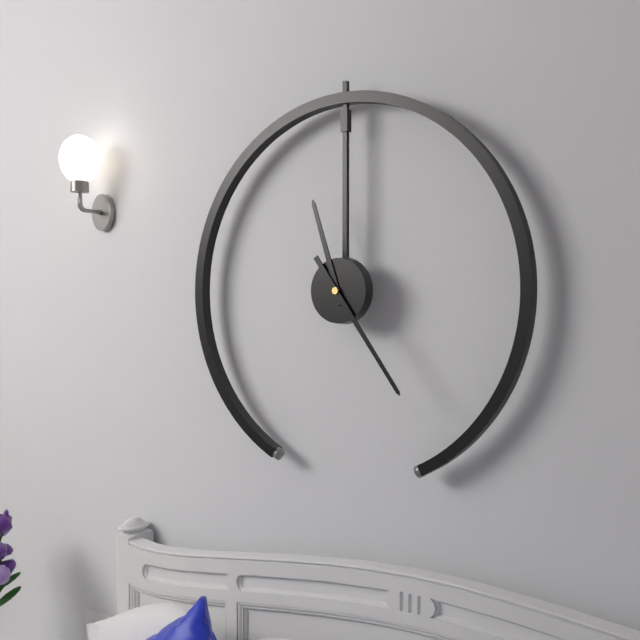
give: {"hour": 11, "minute": 24}
